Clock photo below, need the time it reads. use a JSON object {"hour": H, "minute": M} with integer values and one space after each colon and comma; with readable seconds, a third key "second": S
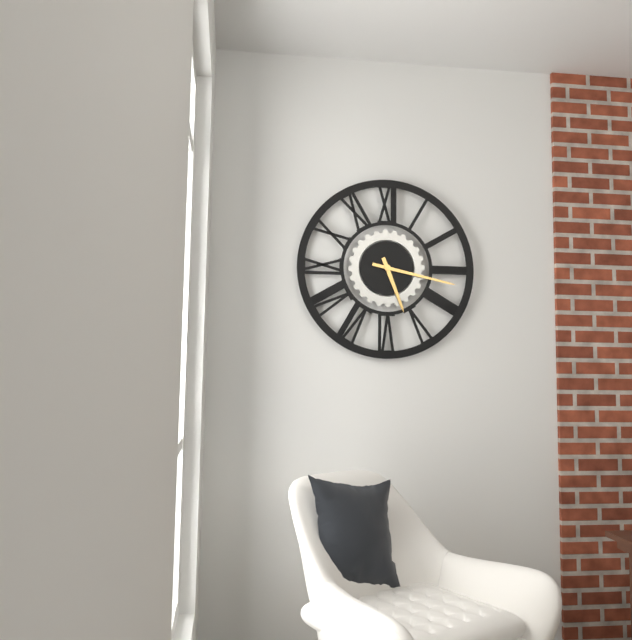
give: {"hour": 5, "minute": 17}
